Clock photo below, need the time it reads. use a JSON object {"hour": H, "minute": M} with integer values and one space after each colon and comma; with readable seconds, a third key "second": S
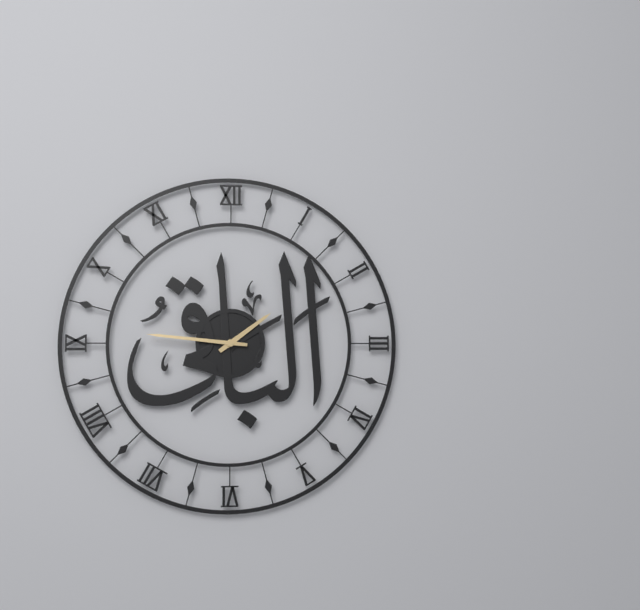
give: {"hour": 1, "minute": 46}
